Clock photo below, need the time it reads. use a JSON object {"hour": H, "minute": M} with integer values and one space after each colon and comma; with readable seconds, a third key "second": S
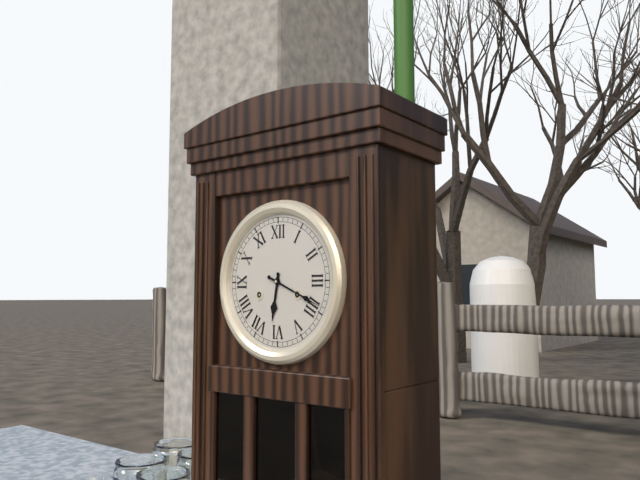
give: {"hour": 6, "minute": 19}
